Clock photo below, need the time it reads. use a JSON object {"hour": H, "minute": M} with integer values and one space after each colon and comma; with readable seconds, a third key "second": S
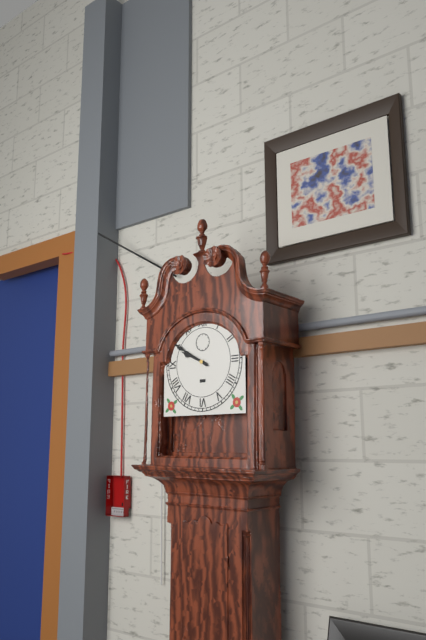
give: {"hour": 9, "minute": 50}
